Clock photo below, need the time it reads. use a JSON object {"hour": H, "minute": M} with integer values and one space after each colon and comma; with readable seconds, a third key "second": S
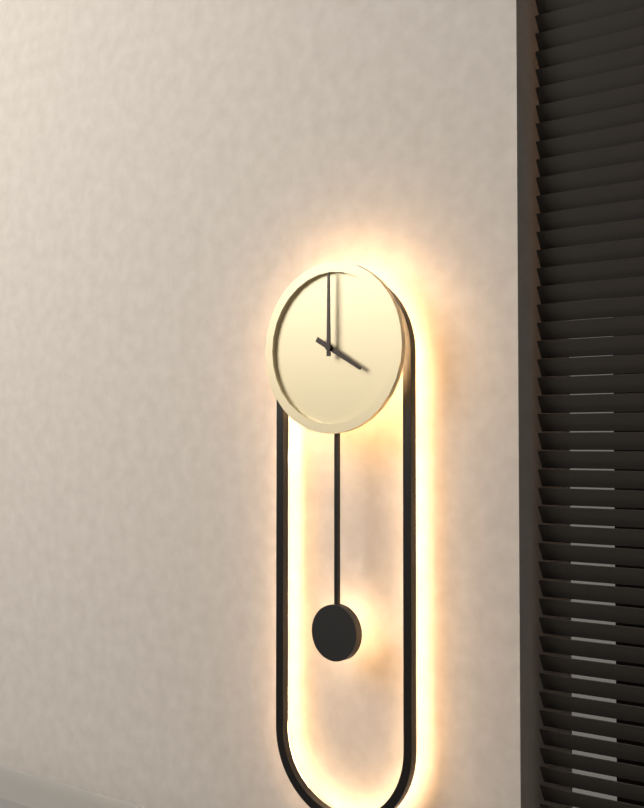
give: {"hour": 4, "minute": 0}
